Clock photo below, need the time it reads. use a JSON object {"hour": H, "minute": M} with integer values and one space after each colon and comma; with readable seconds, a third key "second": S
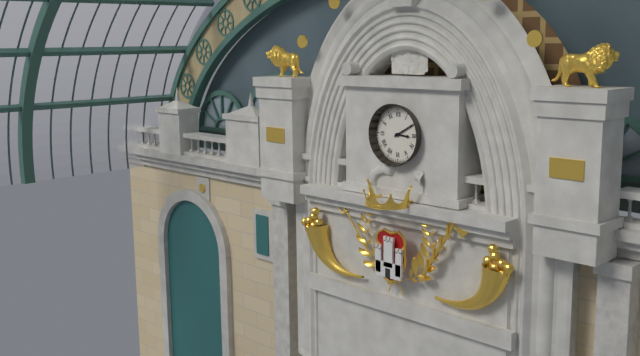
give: {"hour": 3, "minute": 10}
